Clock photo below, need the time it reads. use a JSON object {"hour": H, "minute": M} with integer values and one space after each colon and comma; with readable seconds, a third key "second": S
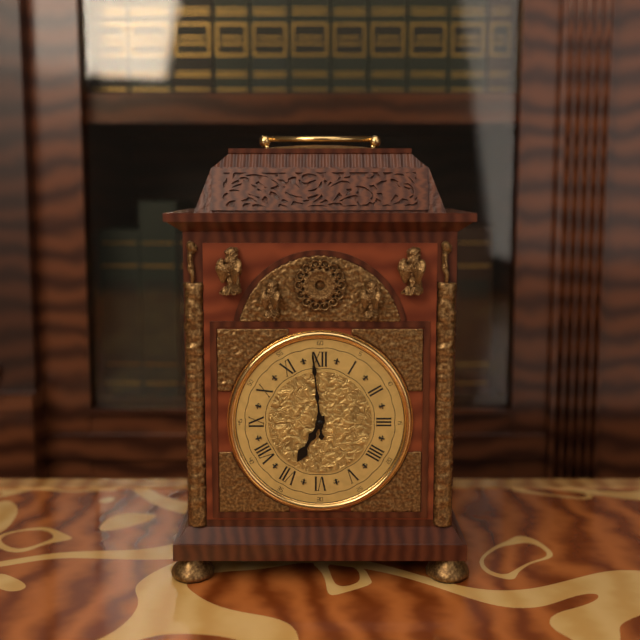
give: {"hour": 6, "minute": 59}
